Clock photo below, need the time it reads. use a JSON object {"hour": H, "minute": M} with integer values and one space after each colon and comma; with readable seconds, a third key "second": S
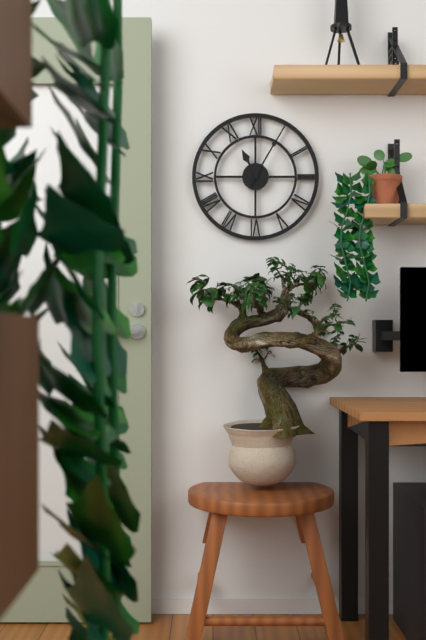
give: {"hour": 11, "minute": 5}
